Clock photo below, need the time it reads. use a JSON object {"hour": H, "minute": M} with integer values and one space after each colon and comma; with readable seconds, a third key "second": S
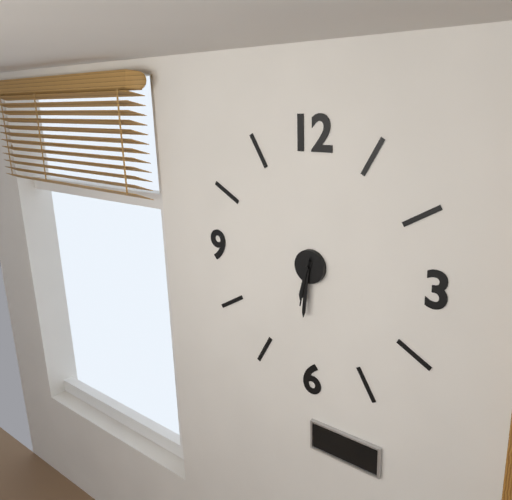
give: {"hour": 6, "minute": 31, "second": 32}
